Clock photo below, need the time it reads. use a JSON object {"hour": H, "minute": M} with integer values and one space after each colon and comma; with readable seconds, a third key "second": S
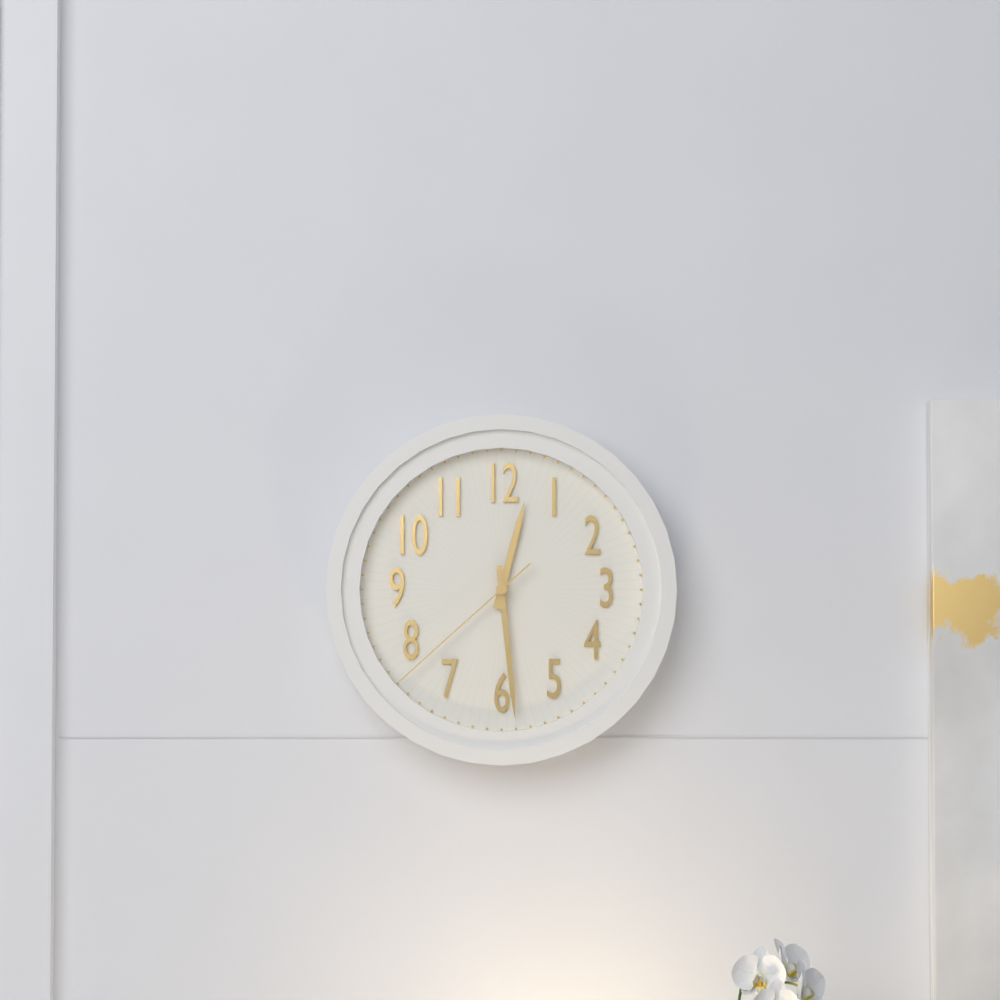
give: {"hour": 12, "minute": 29, "second": 38}
